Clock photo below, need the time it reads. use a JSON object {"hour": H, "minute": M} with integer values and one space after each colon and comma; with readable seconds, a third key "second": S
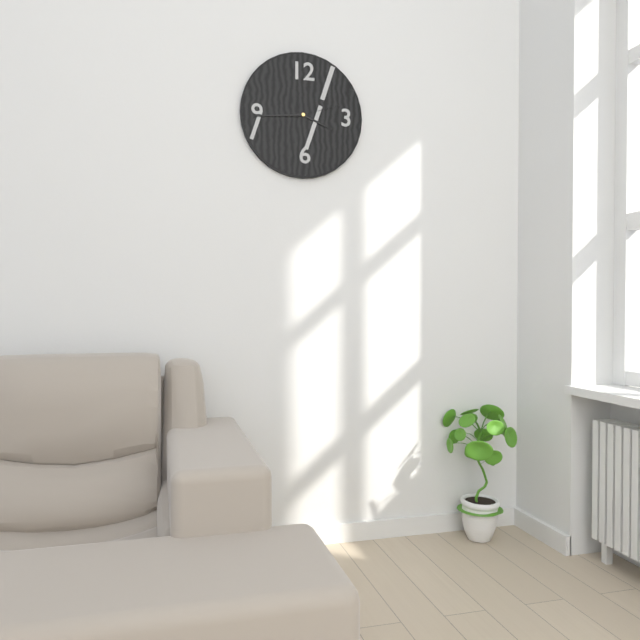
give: {"hour": 3, "minute": 44}
